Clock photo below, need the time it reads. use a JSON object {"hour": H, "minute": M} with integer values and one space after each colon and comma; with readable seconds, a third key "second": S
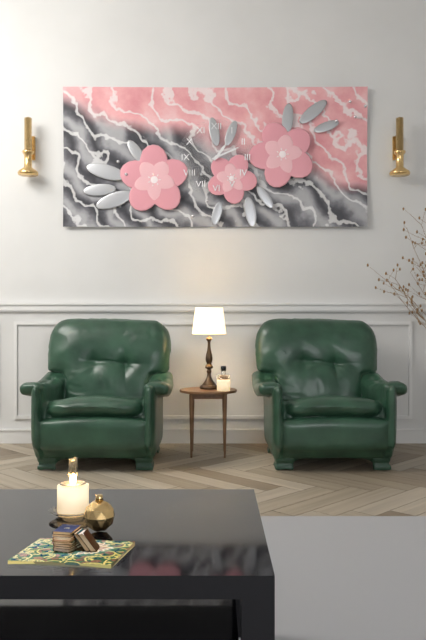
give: {"hour": 1, "minute": 11}
